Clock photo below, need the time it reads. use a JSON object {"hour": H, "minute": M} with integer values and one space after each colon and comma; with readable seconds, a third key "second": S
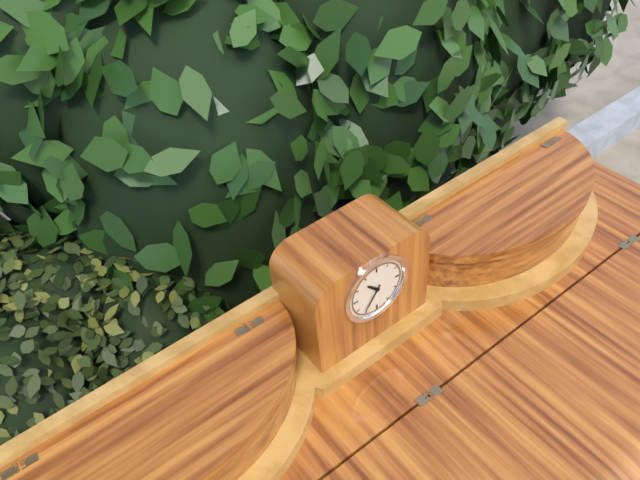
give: {"hour": 10, "minute": 36}
